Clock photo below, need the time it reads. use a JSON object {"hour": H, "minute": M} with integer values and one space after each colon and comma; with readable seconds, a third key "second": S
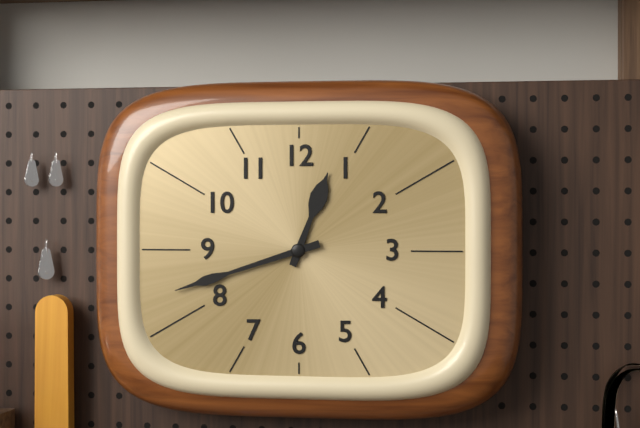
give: {"hour": 12, "minute": 42}
